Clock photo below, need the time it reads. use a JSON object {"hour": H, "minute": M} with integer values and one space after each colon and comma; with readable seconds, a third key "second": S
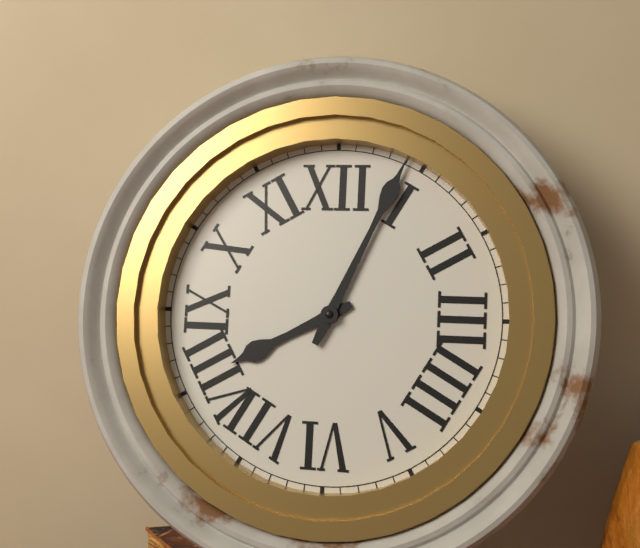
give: {"hour": 8, "minute": 4}
